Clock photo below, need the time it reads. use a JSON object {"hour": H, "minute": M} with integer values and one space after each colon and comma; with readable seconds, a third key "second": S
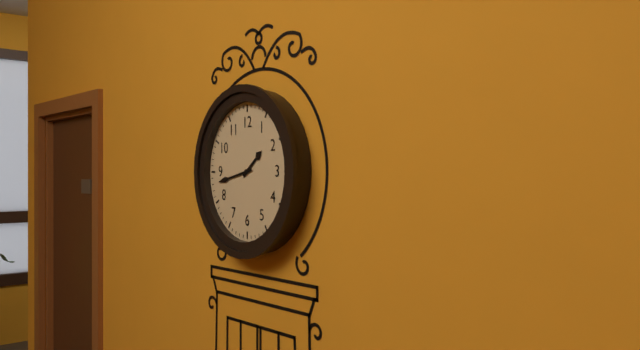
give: {"hour": 1, "minute": 43}
